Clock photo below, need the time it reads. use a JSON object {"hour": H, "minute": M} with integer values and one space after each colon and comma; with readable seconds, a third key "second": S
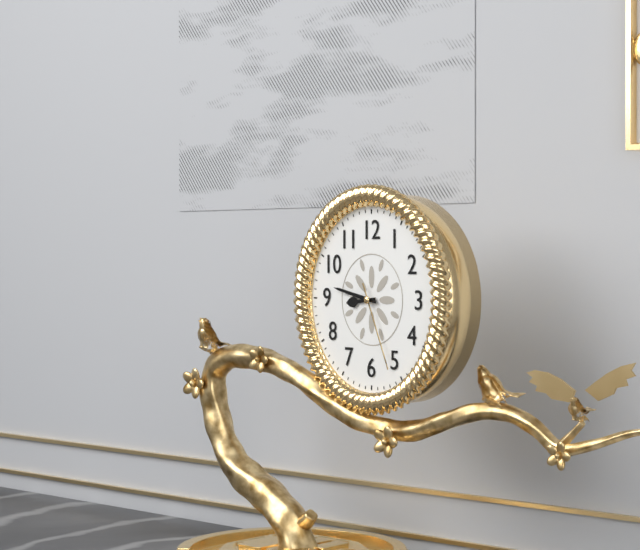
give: {"hour": 8, "minute": 47, "second": 26}
